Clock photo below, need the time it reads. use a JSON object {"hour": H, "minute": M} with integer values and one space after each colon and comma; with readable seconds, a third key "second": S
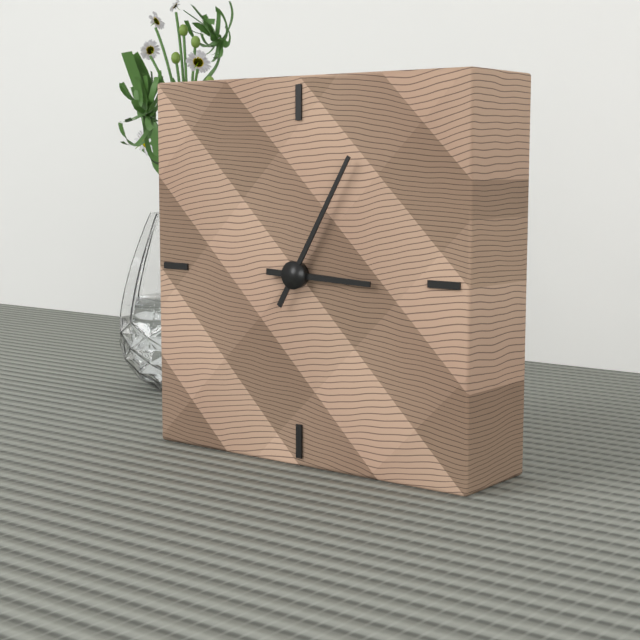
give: {"hour": 3, "minute": 5}
